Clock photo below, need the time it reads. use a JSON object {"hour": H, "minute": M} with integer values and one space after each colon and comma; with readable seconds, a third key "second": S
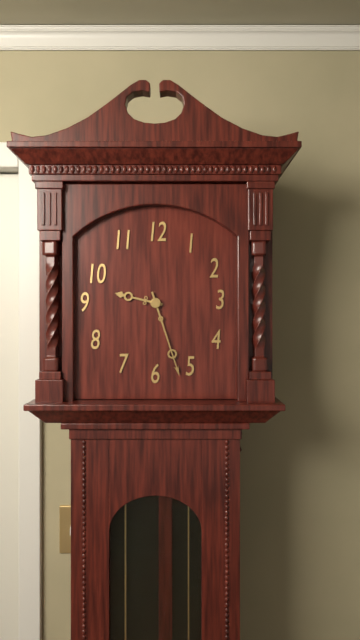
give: {"hour": 9, "minute": 27}
